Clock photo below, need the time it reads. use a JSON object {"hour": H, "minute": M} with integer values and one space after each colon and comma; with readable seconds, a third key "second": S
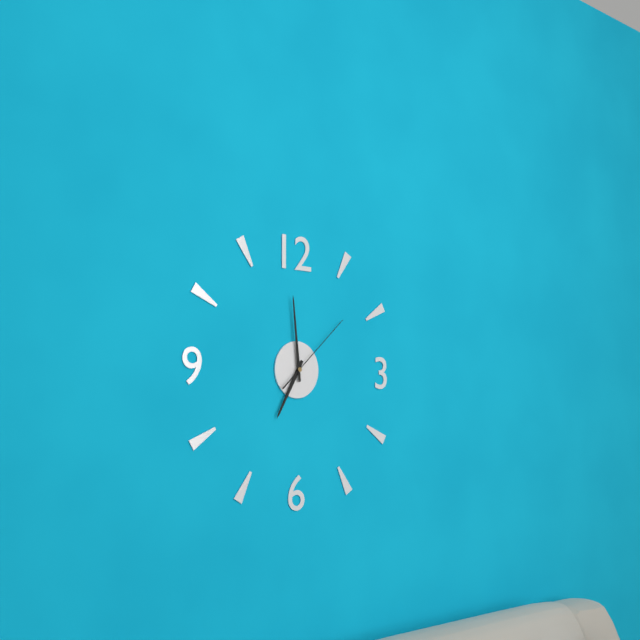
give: {"hour": 6, "minute": 59, "second": 8}
